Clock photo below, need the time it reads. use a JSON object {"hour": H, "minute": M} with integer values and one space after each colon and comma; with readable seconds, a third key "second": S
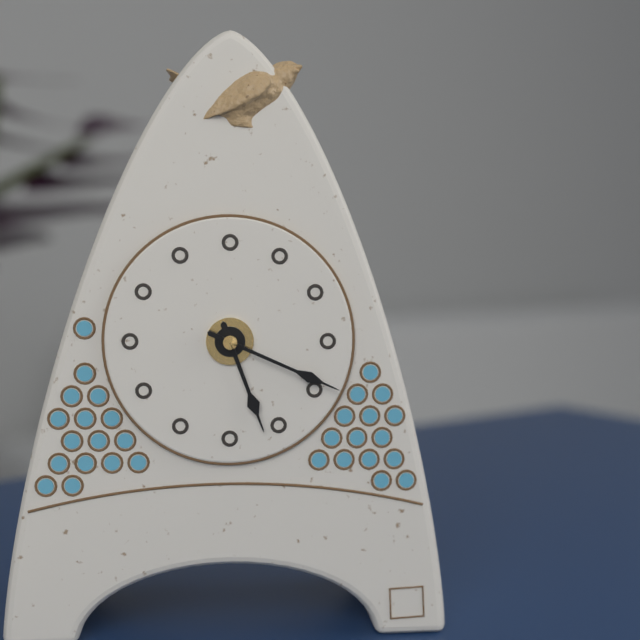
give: {"hour": 5, "minute": 19}
